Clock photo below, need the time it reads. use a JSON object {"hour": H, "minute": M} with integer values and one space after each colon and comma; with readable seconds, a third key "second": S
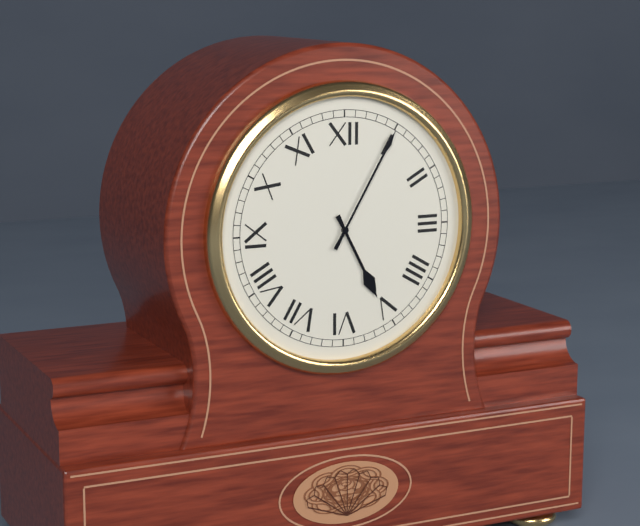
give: {"hour": 5, "minute": 5}
